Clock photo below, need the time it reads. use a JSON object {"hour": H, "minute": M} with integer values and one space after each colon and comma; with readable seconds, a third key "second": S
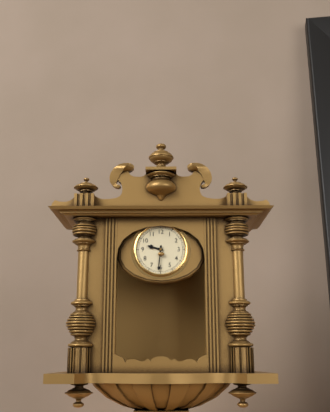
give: {"hour": 9, "minute": 31}
